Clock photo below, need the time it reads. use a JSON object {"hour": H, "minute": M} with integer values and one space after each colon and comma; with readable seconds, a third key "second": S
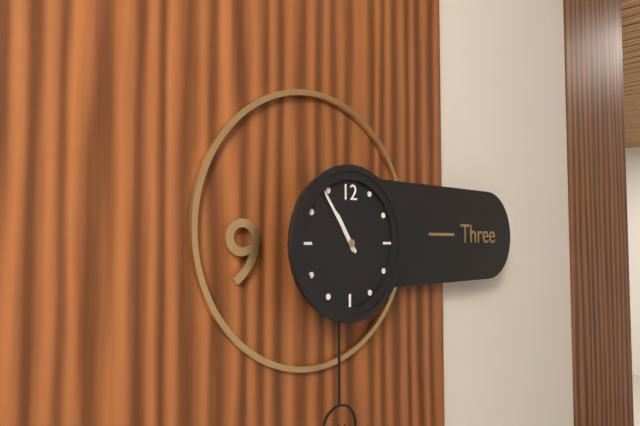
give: {"hour": 10, "minute": 54}
